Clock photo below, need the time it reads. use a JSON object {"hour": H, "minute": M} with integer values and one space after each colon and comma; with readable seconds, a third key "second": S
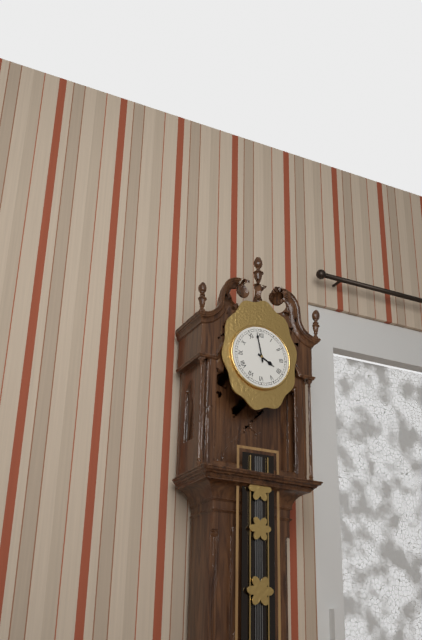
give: {"hour": 3, "minute": 58}
